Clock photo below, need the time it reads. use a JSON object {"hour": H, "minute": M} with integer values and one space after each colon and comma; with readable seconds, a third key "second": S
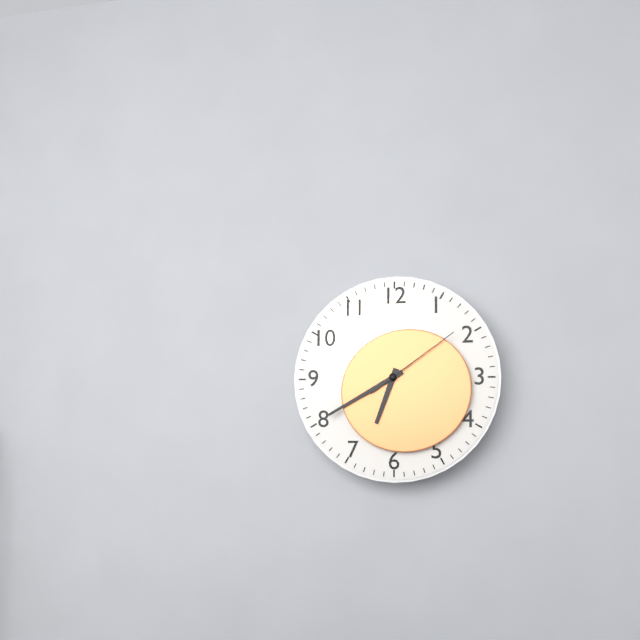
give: {"hour": 6, "minute": 40, "second": 9}
